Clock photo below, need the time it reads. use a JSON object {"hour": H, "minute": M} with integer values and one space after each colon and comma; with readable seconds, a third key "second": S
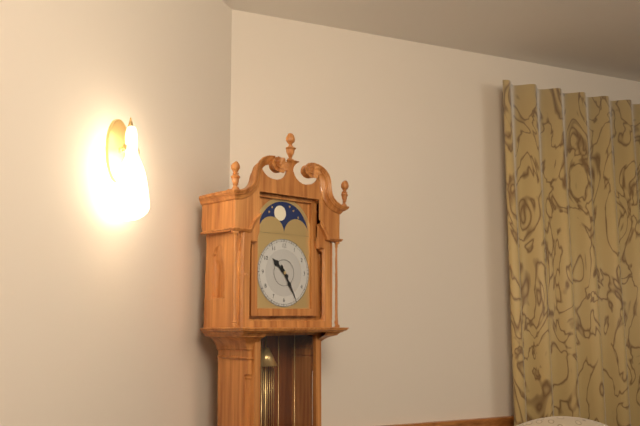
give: {"hour": 10, "minute": 25}
